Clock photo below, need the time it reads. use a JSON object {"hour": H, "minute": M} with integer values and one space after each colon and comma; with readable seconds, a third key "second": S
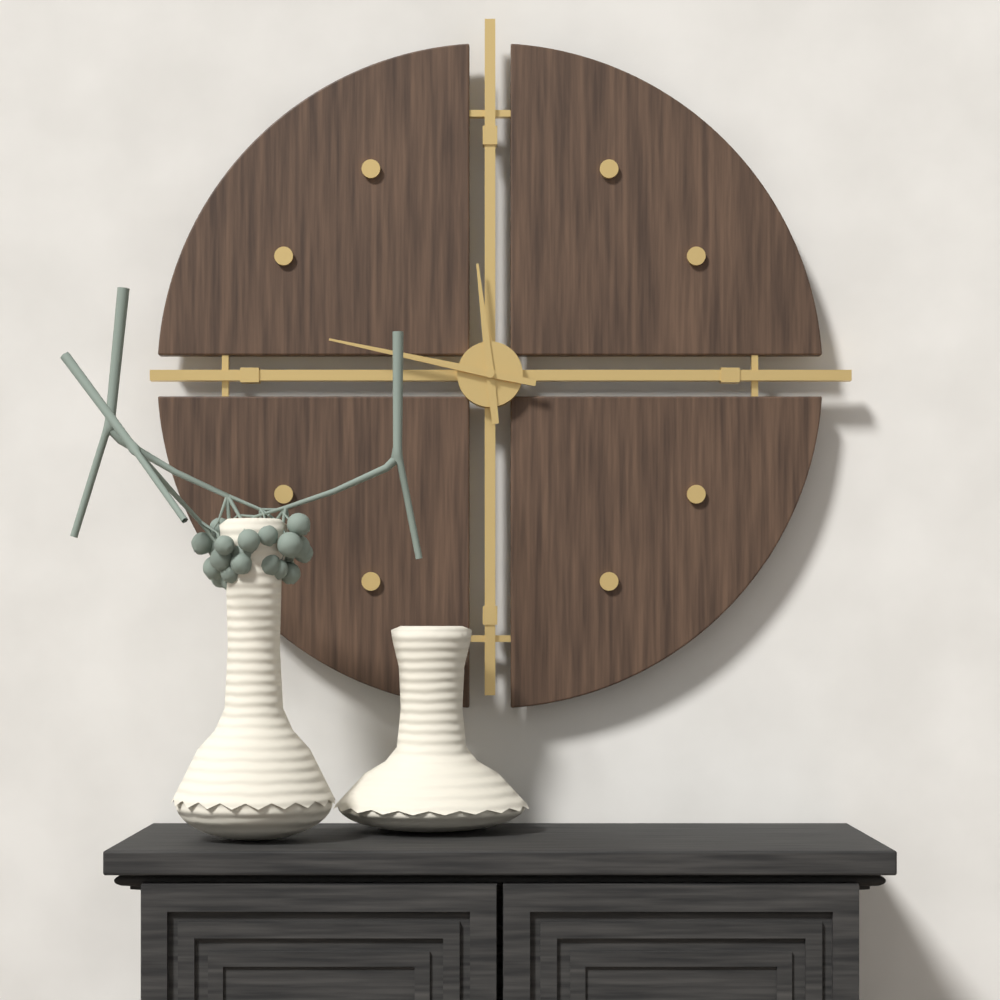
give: {"hour": 11, "minute": 47}
